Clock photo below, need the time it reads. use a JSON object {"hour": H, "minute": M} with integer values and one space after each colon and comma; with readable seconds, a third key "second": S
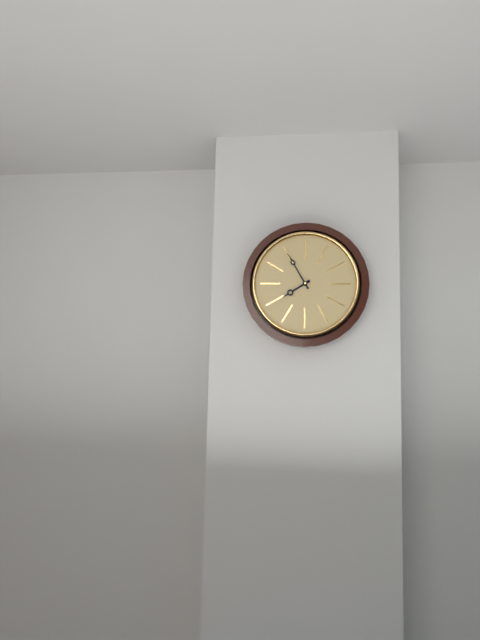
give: {"hour": 7, "minute": 55}
